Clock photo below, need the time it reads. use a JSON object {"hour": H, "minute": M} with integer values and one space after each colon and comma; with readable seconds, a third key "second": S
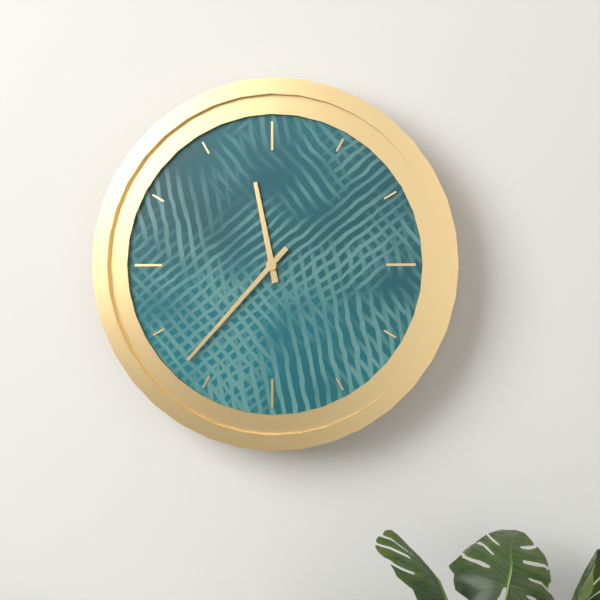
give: {"hour": 11, "minute": 37}
